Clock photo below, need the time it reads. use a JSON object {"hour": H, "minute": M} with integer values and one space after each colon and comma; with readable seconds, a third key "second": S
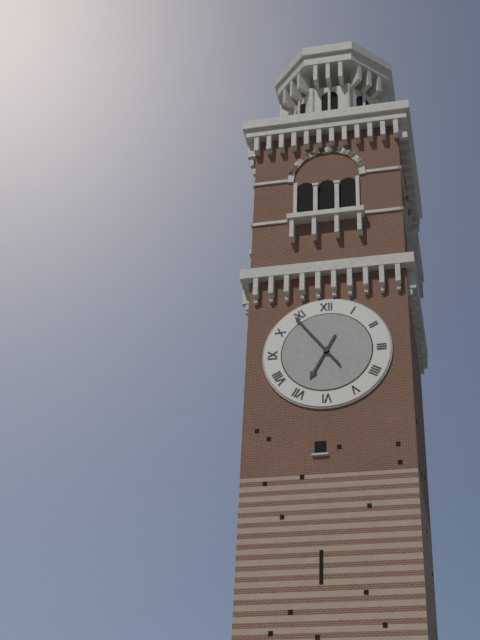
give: {"hour": 6, "minute": 54}
